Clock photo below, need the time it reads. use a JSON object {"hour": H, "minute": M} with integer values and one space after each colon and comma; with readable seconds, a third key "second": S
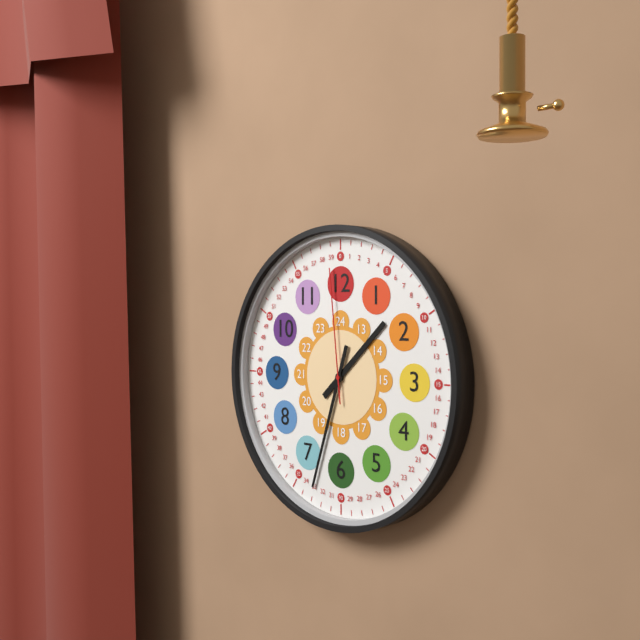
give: {"hour": 1, "minute": 33, "second": 59}
